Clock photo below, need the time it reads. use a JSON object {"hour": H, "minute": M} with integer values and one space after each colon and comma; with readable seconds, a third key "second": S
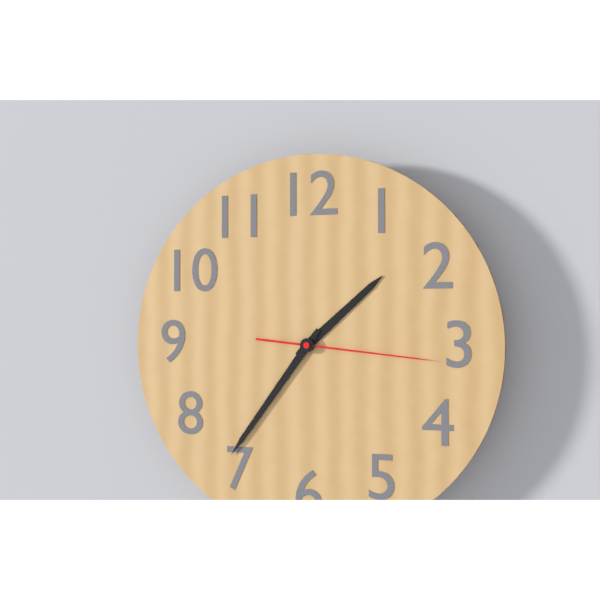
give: {"hour": 1, "minute": 36, "second": 16}
